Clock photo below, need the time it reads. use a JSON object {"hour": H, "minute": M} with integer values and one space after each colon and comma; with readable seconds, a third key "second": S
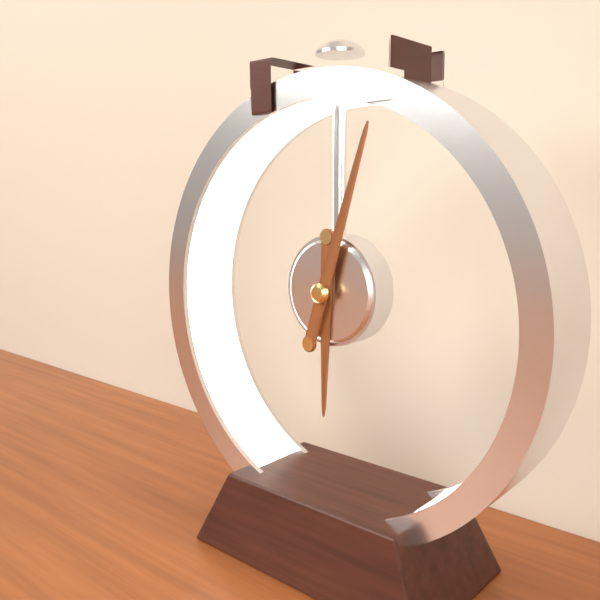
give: {"hour": 6, "minute": 3}
